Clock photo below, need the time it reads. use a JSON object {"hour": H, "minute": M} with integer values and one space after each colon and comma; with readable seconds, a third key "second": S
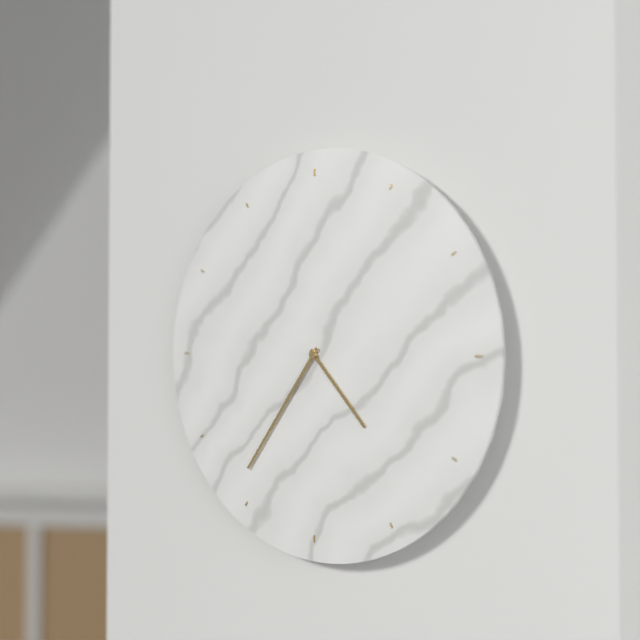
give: {"hour": 4, "minute": 36}
